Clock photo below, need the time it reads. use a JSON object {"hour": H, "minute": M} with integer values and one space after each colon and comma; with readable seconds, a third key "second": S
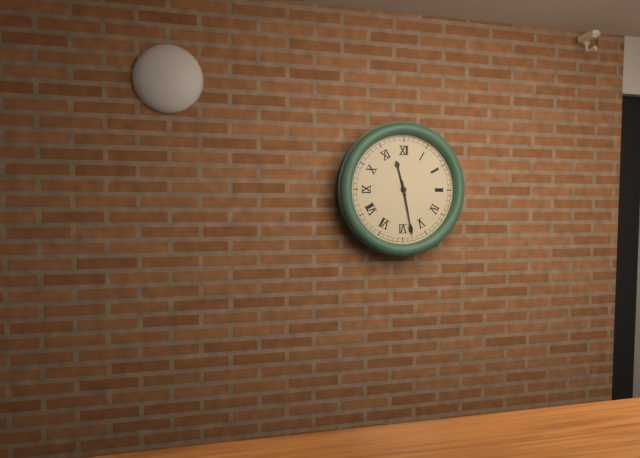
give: {"hour": 11, "minute": 28}
